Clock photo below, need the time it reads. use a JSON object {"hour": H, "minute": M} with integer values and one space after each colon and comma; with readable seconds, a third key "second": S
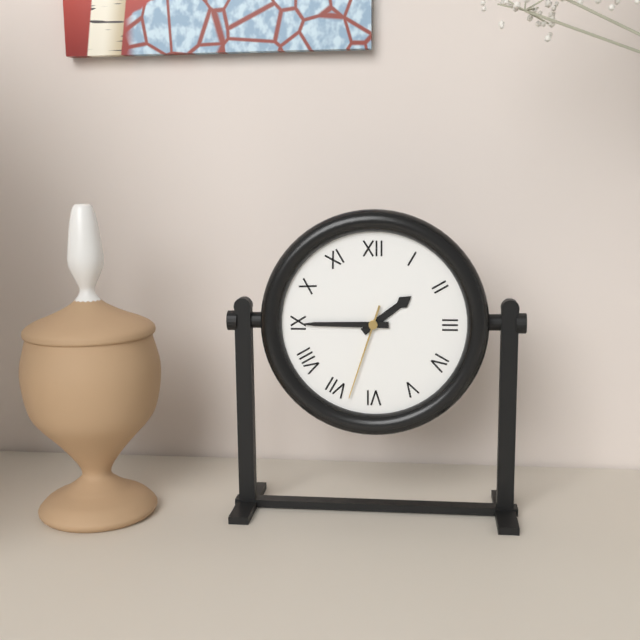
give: {"hour": 1, "minute": 45, "second": 33}
